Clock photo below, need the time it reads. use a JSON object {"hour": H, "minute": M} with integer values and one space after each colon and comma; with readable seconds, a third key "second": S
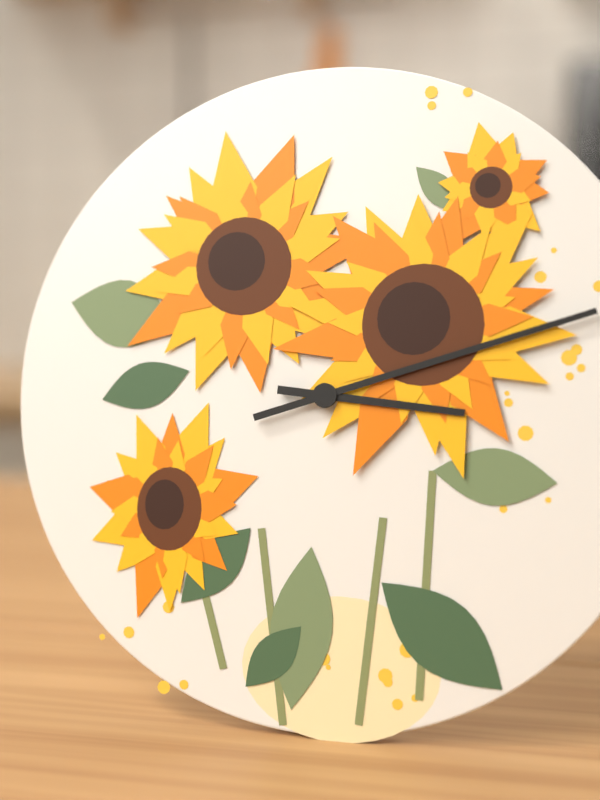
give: {"hour": 3, "minute": 12}
